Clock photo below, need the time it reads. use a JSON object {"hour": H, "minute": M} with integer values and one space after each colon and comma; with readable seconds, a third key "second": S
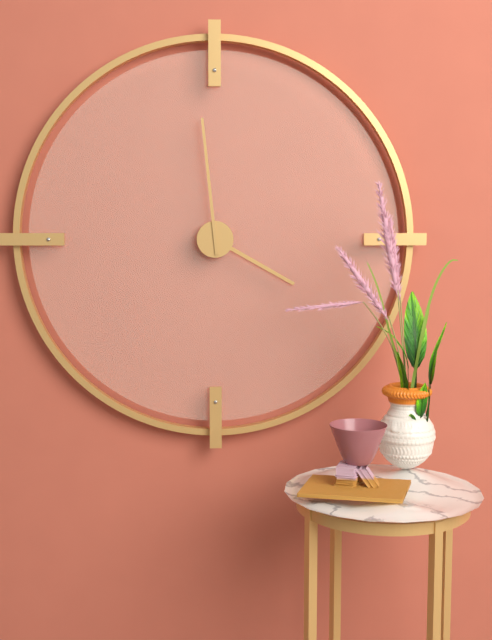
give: {"hour": 3, "minute": 59}
